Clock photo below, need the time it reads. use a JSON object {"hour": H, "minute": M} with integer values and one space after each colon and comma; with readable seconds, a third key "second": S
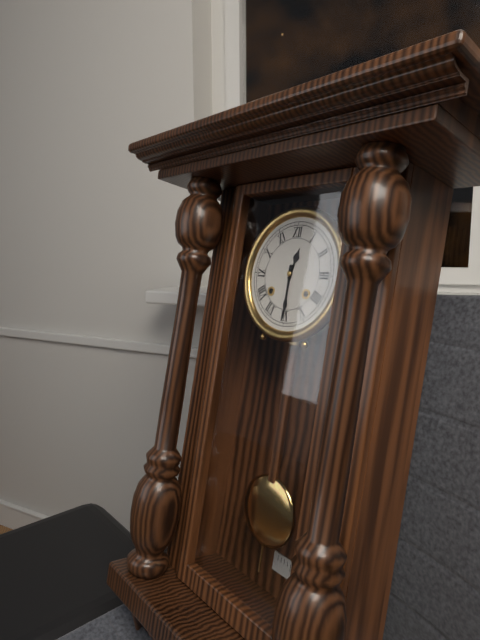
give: {"hour": 12, "minute": 30}
